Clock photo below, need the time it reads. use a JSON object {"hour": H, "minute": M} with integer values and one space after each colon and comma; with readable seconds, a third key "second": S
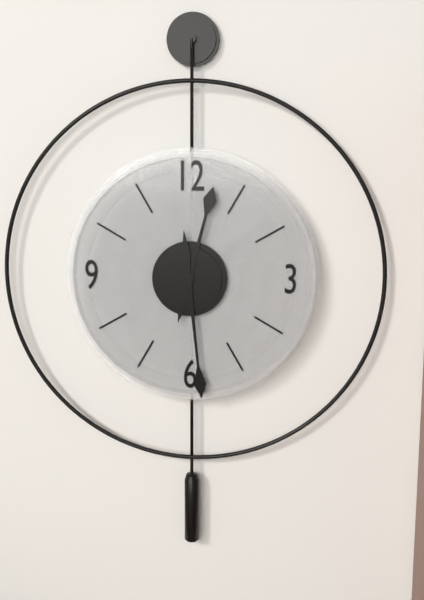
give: {"hour": 12, "minute": 29}
